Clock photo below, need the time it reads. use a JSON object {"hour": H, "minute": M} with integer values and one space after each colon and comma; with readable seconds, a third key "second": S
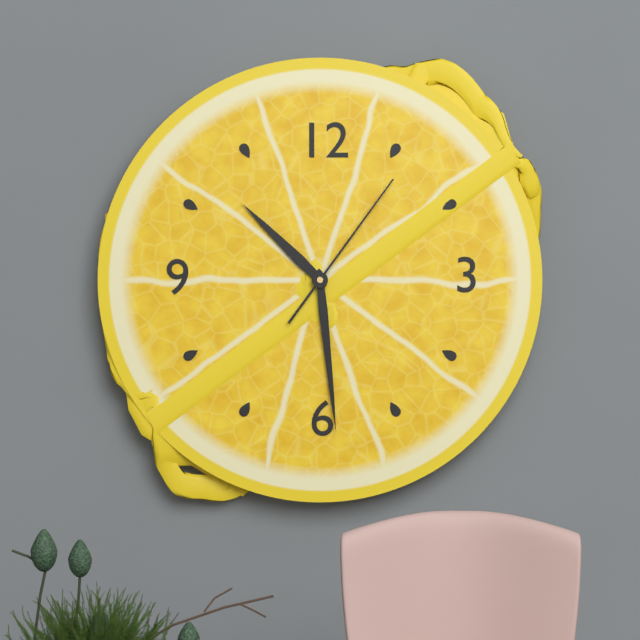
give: {"hour": 10, "minute": 29, "second": 6}
